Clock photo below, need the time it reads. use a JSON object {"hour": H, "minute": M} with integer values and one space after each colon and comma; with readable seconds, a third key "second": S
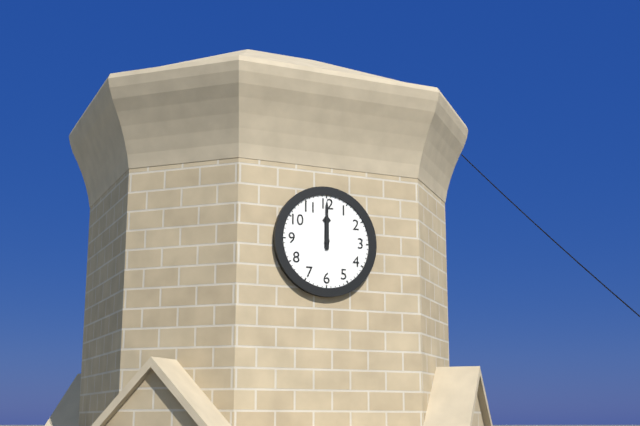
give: {"hour": 12, "minute": 0}
